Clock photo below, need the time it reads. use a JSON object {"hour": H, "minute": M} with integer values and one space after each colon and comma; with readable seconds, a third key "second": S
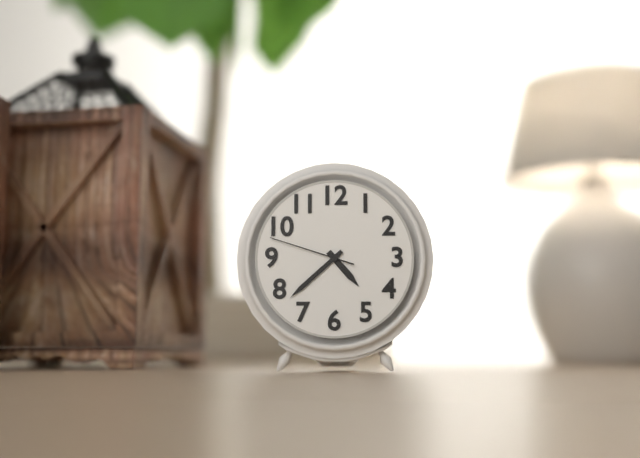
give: {"hour": 4, "minute": 38, "second": 48}
